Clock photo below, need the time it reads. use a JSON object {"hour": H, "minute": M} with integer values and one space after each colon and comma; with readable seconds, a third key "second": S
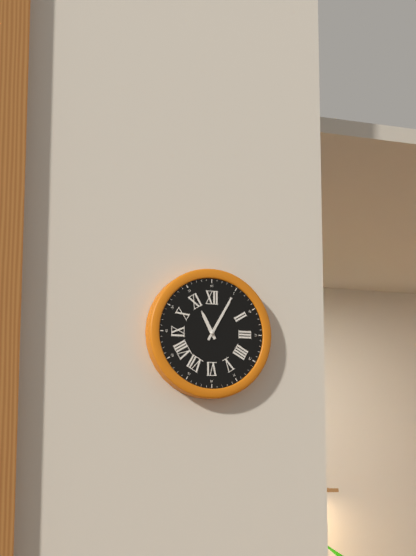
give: {"hour": 11, "minute": 5}
